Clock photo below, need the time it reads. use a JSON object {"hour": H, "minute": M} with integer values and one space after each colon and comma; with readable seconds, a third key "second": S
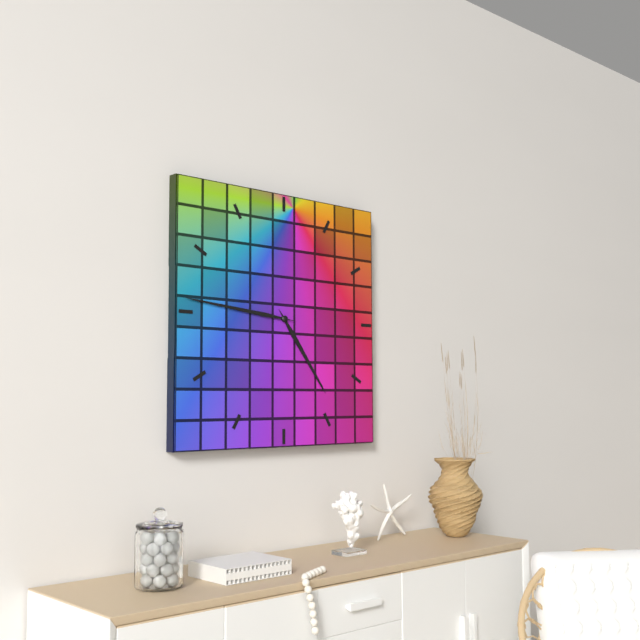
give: {"hour": 4, "minute": 46}
